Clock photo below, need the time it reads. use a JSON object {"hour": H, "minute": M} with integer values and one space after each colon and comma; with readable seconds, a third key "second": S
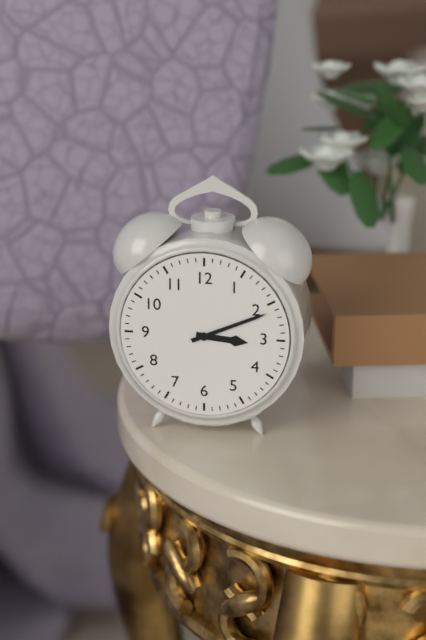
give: {"hour": 3, "minute": 11}
